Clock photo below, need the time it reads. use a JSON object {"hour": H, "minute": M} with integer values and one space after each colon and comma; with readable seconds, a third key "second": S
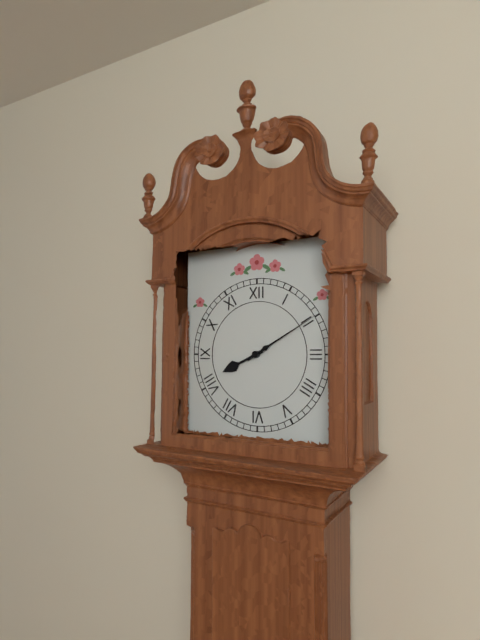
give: {"hour": 8, "minute": 10}
